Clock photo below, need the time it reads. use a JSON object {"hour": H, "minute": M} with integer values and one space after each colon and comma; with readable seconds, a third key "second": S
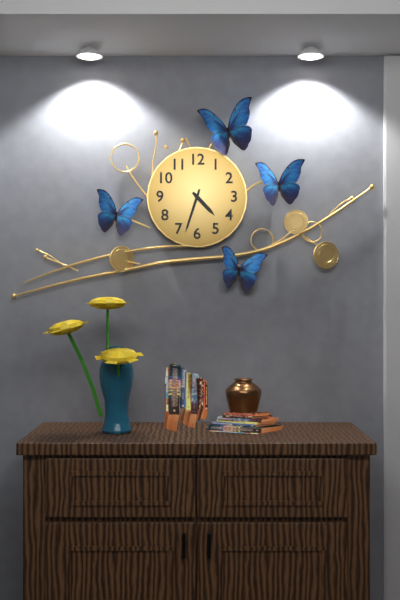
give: {"hour": 4, "minute": 33}
